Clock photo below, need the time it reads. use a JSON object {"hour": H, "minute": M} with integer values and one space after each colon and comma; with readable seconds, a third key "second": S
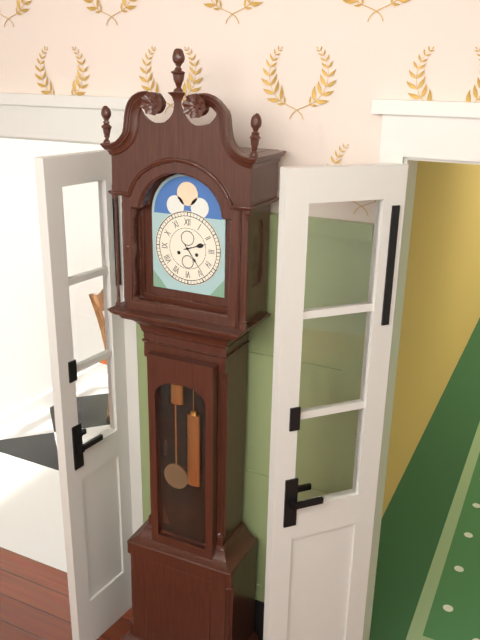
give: {"hour": 2, "minute": 24}
